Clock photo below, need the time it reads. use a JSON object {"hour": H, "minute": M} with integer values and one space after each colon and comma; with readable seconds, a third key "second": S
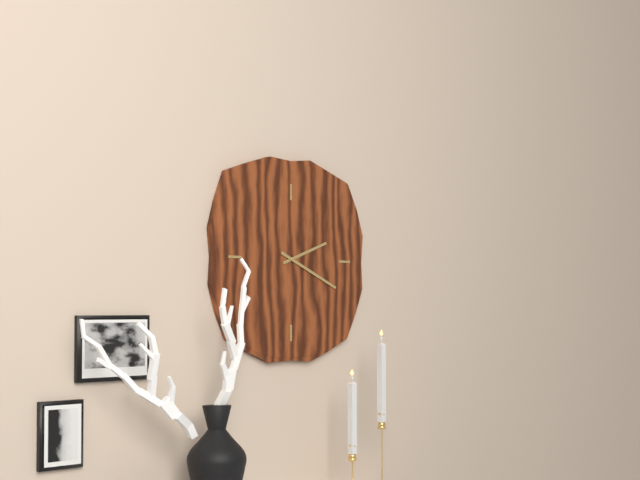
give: {"hour": 2, "minute": 19}
